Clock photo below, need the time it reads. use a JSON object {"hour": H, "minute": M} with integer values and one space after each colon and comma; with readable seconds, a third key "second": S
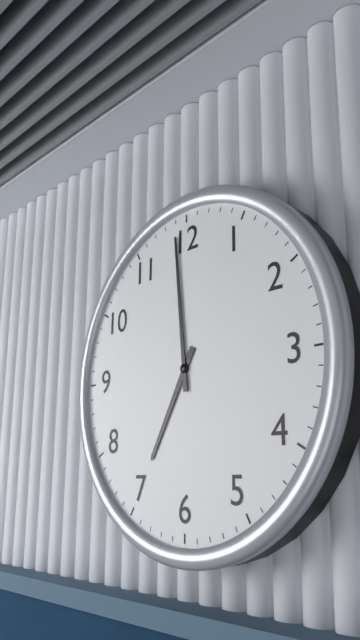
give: {"hour": 6, "minute": 59}
